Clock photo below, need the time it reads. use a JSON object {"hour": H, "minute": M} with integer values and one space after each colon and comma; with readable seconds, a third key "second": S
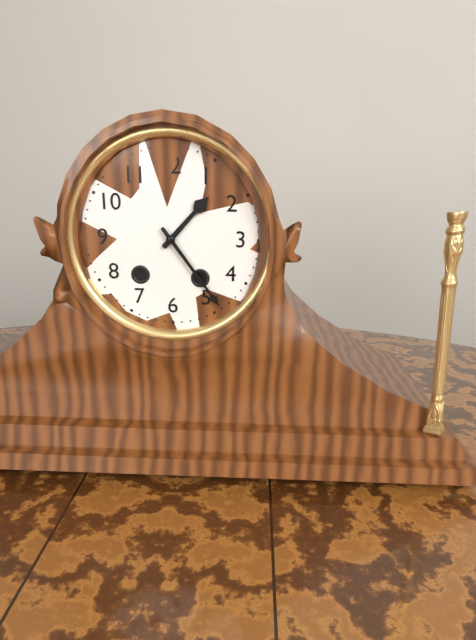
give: {"hour": 1, "minute": 24}
